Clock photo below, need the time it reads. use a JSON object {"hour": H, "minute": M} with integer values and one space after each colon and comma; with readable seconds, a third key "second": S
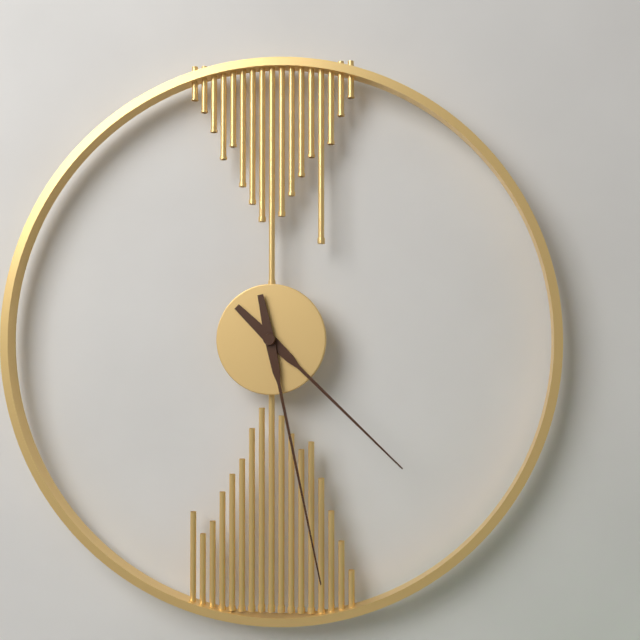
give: {"hour": 4, "minute": 28}
